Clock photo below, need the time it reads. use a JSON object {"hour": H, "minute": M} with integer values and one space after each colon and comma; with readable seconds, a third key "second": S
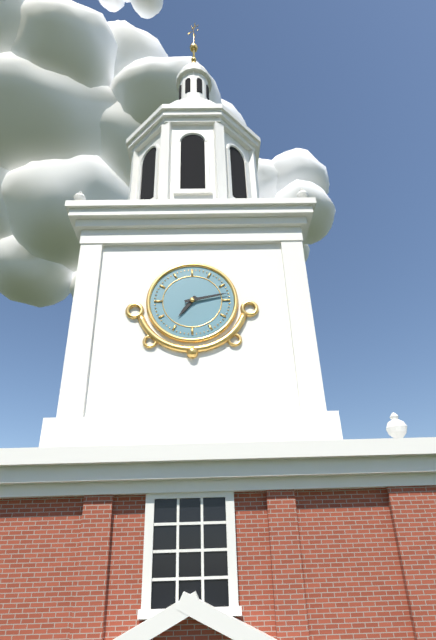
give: {"hour": 7, "minute": 13}
